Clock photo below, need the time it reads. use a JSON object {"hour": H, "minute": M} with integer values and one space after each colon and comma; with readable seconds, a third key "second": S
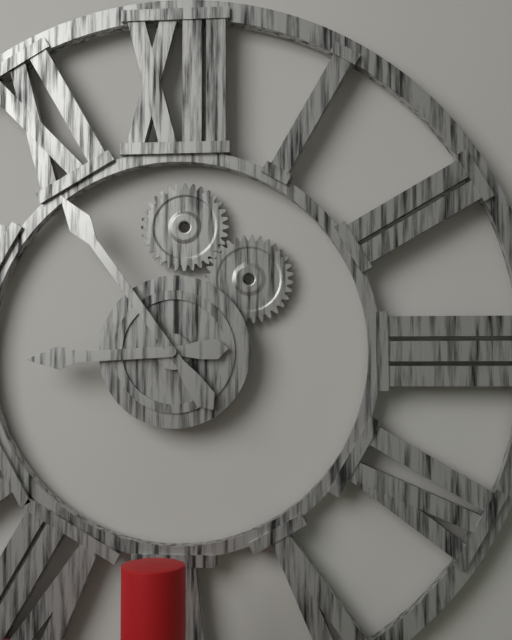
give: {"hour": 8, "minute": 54}
